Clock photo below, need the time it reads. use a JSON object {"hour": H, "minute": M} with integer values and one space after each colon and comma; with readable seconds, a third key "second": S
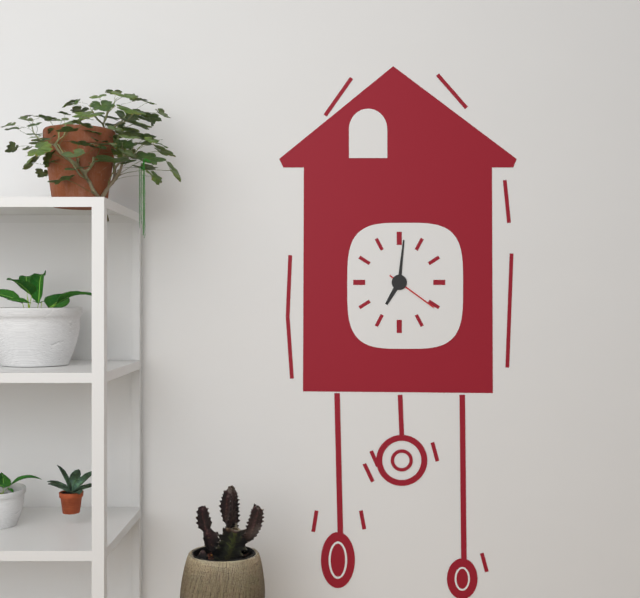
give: {"hour": 7, "minute": 1, "second": 21}
